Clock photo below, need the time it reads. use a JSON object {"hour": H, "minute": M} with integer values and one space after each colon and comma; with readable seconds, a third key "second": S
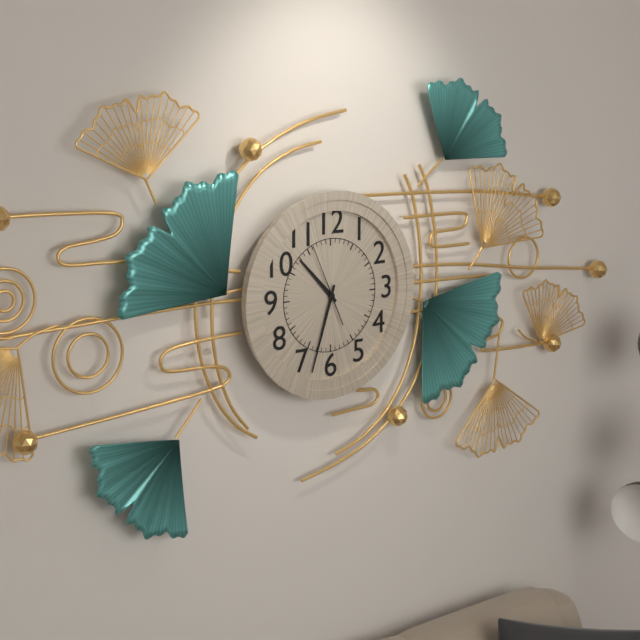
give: {"hour": 10, "minute": 33, "second": 56}
